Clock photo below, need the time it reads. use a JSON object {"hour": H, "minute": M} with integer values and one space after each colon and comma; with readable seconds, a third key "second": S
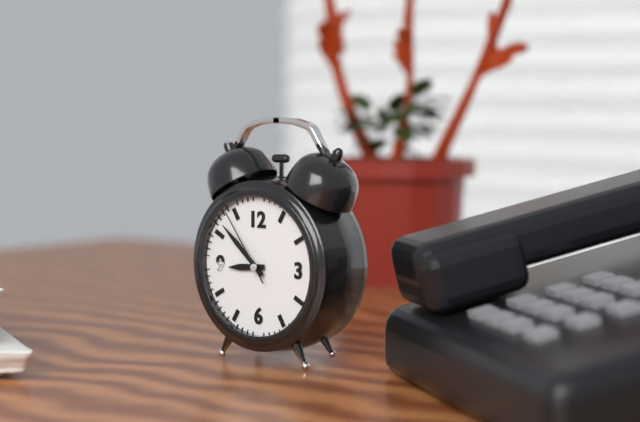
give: {"hour": 8, "minute": 52, "second": 54}
